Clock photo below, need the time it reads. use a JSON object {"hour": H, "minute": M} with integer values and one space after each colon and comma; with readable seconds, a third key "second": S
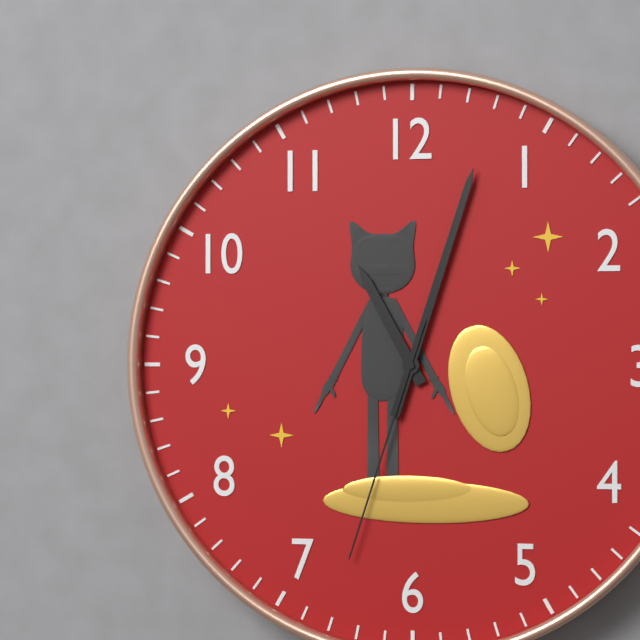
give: {"hour": 11, "minute": 3, "second": 33}
